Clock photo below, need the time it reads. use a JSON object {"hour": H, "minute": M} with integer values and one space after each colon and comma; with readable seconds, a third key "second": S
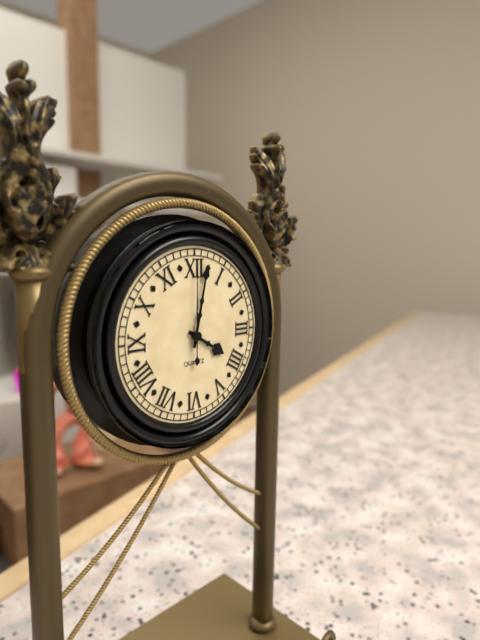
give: {"hour": 4, "minute": 2, "second": 0}
